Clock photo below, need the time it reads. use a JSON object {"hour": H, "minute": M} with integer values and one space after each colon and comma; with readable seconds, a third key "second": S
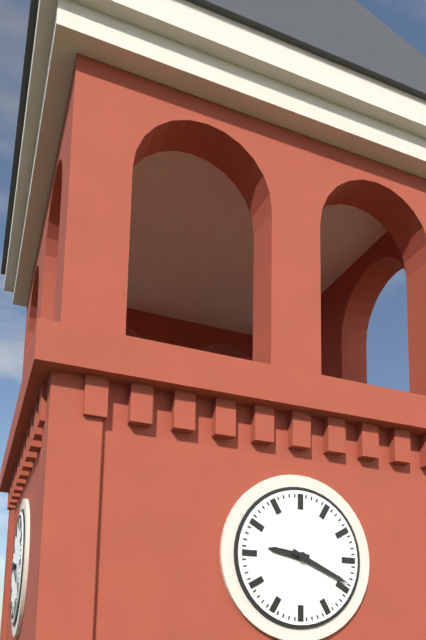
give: {"hour": 9, "minute": 19}
